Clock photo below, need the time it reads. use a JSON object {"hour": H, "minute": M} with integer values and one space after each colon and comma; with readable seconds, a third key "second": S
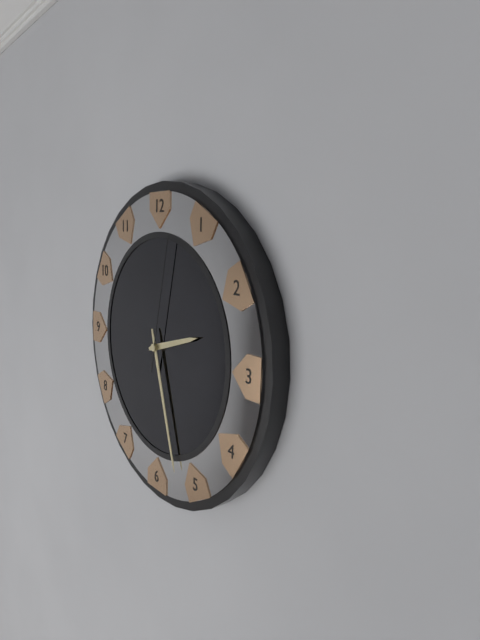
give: {"hour": 2, "minute": 27, "second": 2}
